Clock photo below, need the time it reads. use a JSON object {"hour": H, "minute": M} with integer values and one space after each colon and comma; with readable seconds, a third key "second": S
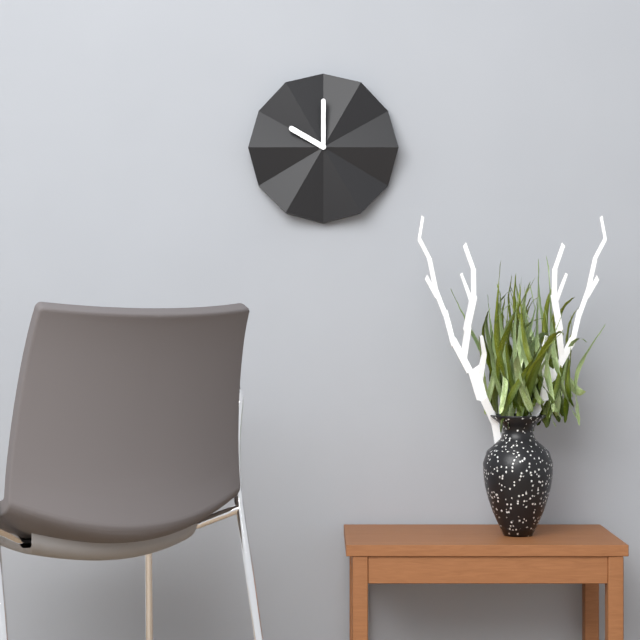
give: {"hour": 10, "minute": 0}
